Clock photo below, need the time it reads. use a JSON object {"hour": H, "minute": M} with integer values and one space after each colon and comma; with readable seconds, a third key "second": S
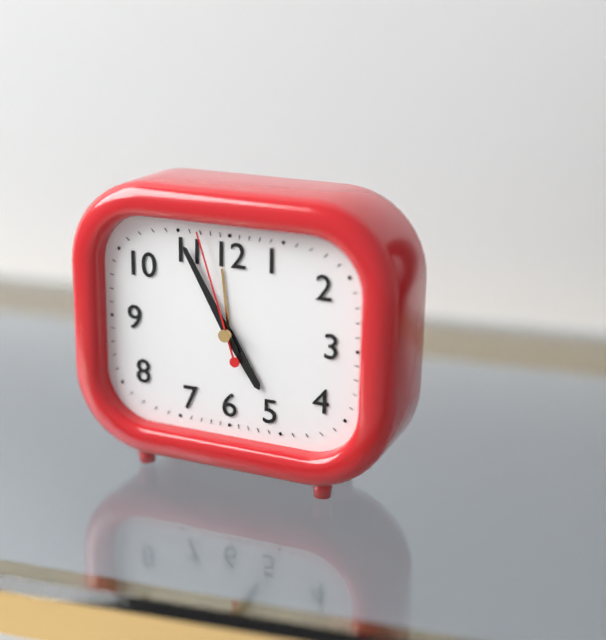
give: {"hour": 4, "minute": 55, "second": 57}
